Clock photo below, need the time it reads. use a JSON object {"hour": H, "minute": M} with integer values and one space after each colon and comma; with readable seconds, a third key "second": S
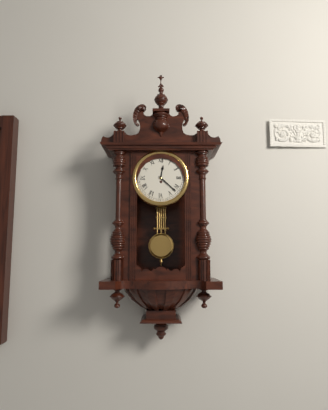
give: {"hour": 12, "minute": 22}
